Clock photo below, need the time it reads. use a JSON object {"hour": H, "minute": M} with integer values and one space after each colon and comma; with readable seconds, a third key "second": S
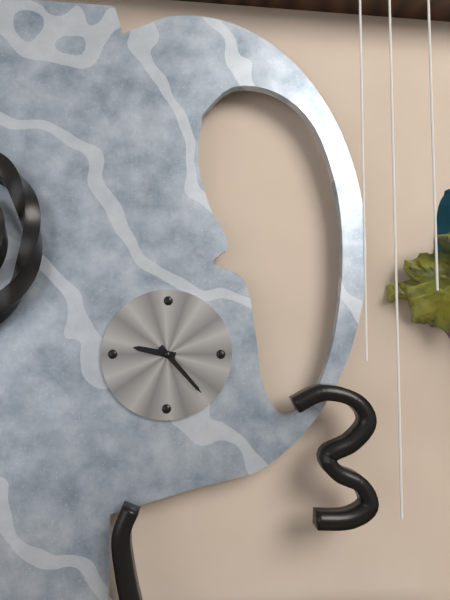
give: {"hour": 9, "minute": 23}
